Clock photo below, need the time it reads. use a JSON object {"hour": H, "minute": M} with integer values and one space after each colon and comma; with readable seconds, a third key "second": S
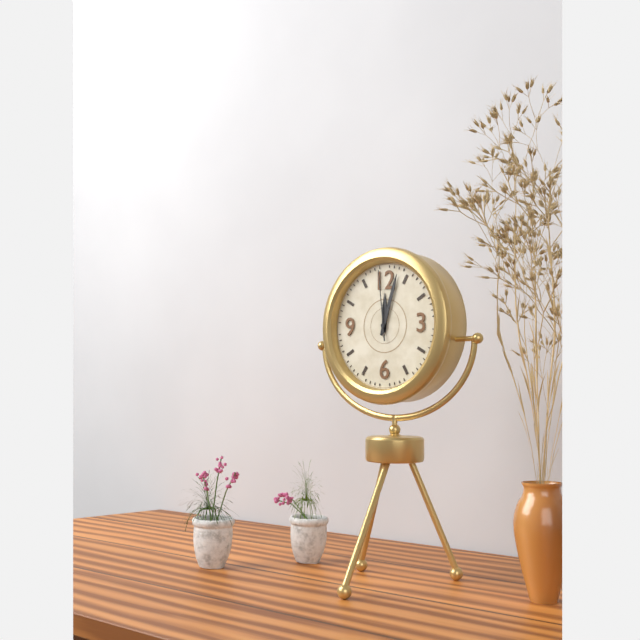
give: {"hour": 12, "minute": 3, "second": 59}
